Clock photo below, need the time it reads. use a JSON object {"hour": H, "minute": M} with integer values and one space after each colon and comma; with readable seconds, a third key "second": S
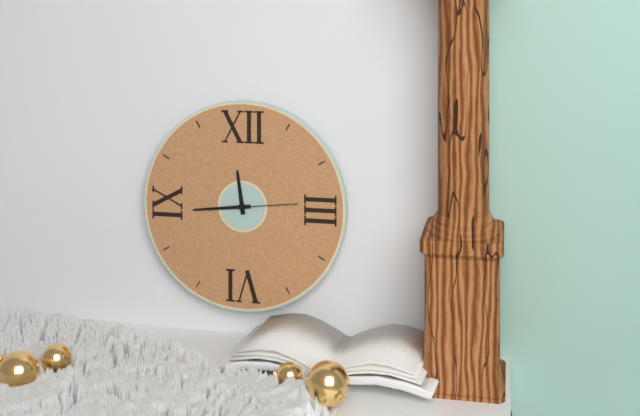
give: {"hour": 11, "minute": 44, "second": 14}
